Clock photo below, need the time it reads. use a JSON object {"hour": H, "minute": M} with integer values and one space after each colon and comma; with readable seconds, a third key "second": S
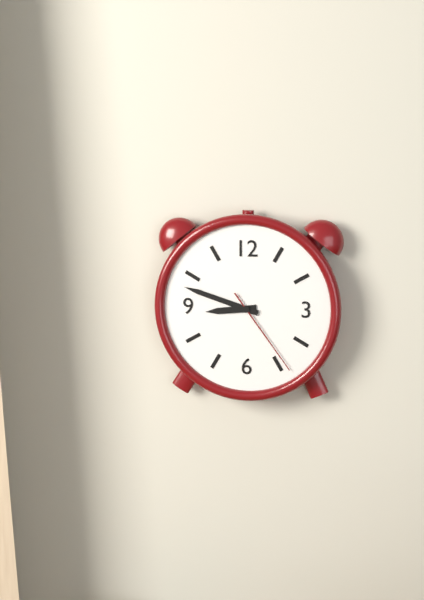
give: {"hour": 8, "minute": 48, "second": 24}
